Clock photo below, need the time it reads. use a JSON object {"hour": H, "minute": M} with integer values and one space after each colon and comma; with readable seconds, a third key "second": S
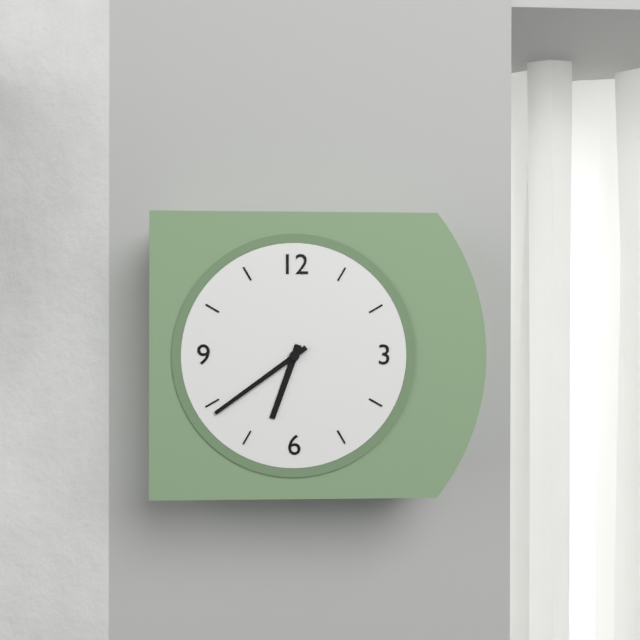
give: {"hour": 6, "minute": 39}
